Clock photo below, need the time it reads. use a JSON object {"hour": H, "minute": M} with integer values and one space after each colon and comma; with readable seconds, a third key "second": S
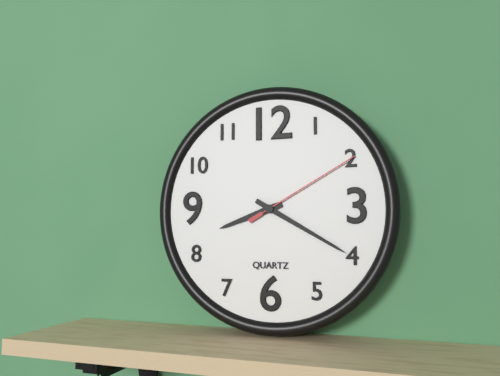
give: {"hour": 8, "minute": 20, "second": 10}
